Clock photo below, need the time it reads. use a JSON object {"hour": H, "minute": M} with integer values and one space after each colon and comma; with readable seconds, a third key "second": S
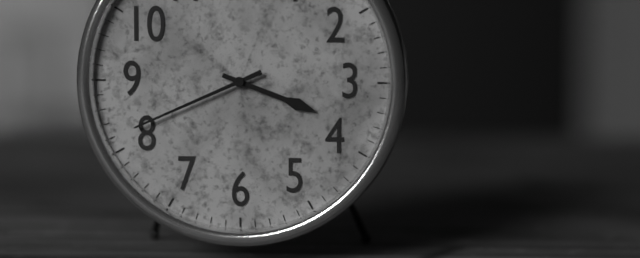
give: {"hour": 3, "minute": 41}
